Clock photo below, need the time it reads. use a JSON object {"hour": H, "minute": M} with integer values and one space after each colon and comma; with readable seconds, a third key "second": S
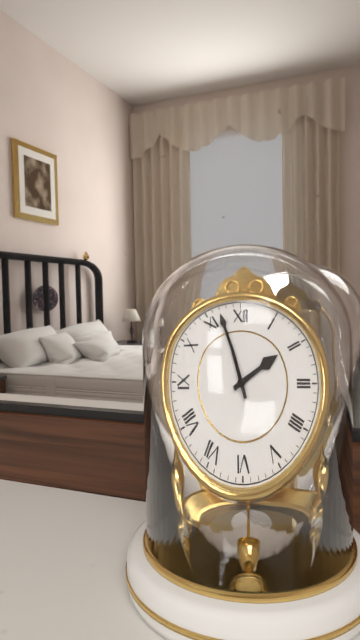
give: {"hour": 1, "minute": 57}
